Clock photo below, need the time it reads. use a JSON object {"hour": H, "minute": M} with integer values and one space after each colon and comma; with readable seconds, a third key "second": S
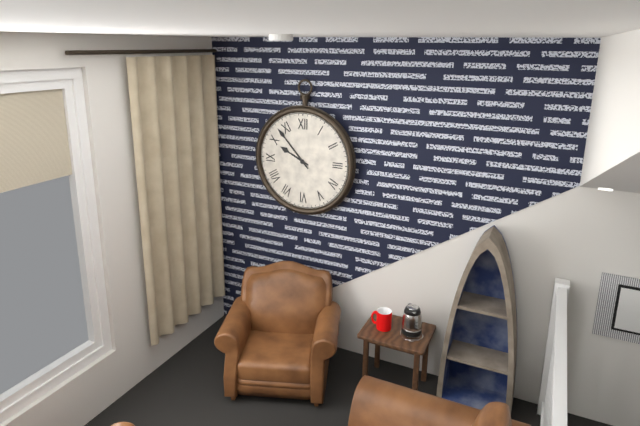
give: {"hour": 9, "minute": 53}
